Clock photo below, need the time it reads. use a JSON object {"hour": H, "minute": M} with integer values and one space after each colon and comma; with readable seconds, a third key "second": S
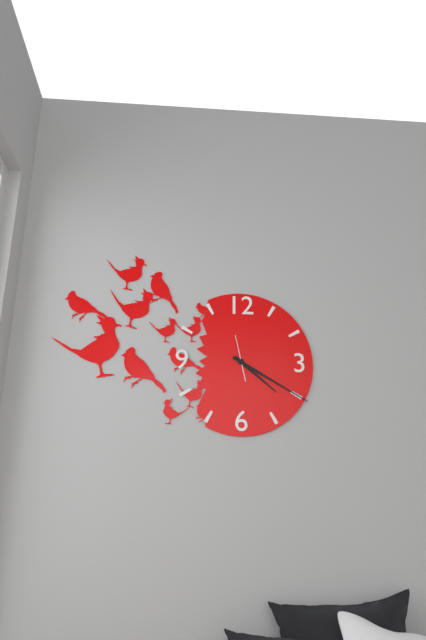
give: {"hour": 4, "minute": 20}
